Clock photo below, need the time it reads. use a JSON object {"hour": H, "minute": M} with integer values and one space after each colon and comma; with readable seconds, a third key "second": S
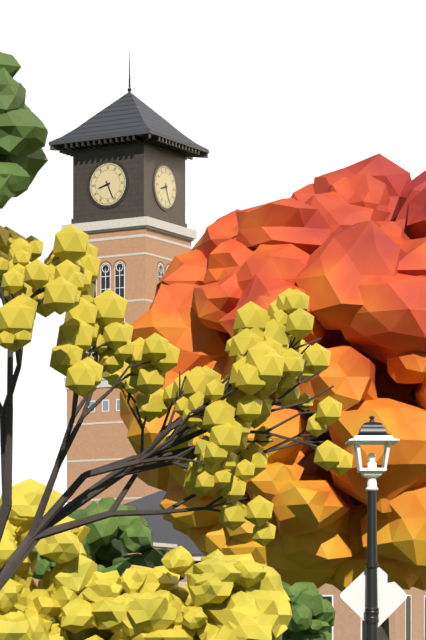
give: {"hour": 8, "minute": 26}
